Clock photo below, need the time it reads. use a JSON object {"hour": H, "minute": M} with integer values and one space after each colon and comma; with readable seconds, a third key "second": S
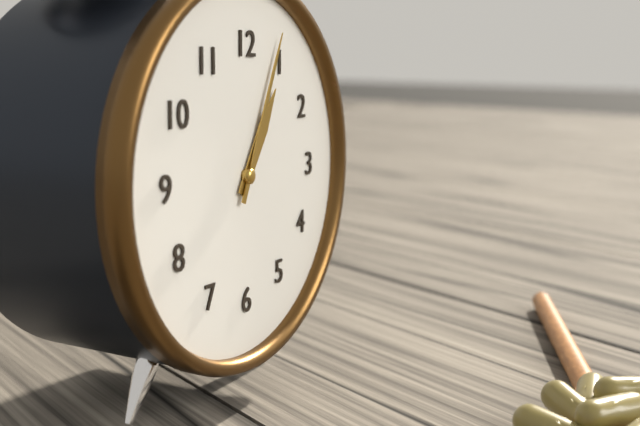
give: {"hour": 1, "minute": 4}
